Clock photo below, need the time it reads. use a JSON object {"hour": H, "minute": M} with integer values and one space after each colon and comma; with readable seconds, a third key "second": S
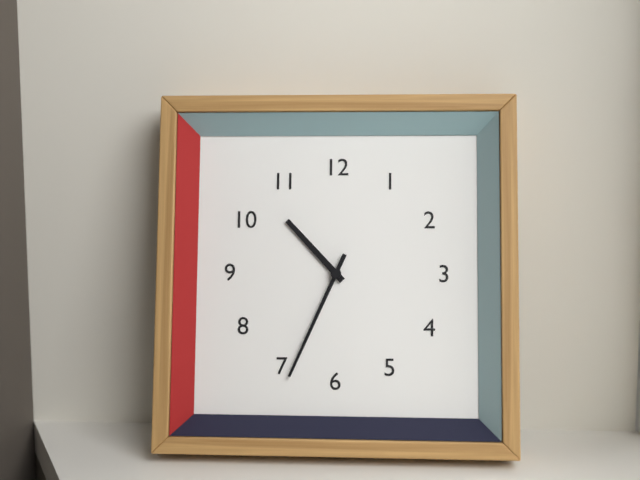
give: {"hour": 10, "minute": 34}
